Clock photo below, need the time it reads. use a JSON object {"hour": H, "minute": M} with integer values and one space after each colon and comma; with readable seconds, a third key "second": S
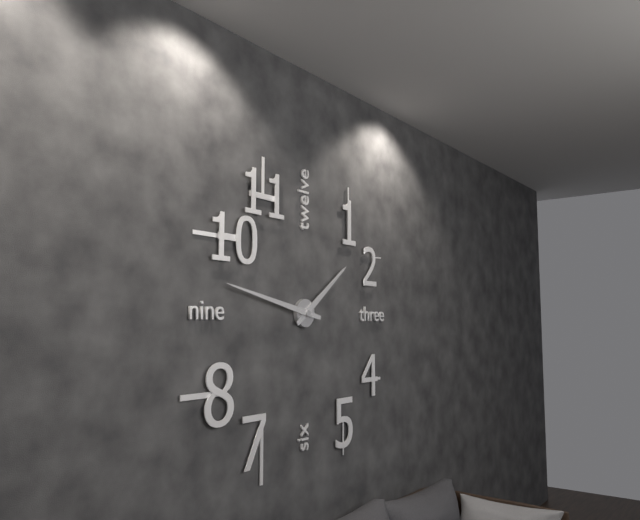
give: {"hour": 1, "minute": 47}
